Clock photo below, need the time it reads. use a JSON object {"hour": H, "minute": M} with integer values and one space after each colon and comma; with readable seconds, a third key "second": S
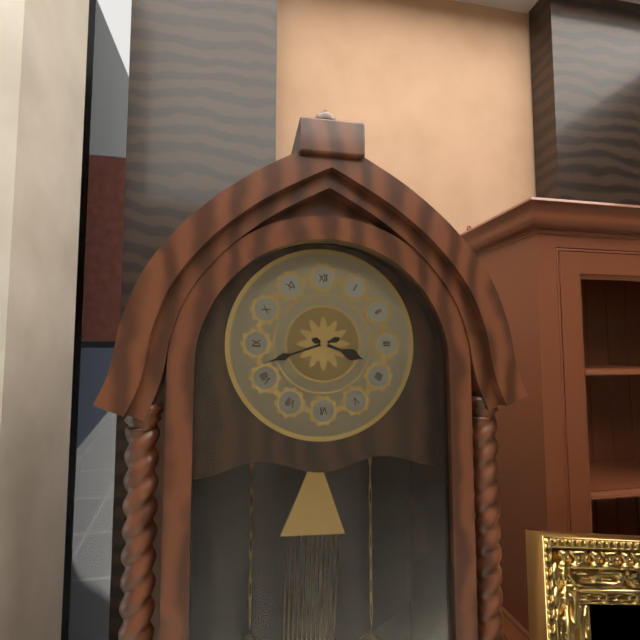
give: {"hour": 3, "minute": 42}
